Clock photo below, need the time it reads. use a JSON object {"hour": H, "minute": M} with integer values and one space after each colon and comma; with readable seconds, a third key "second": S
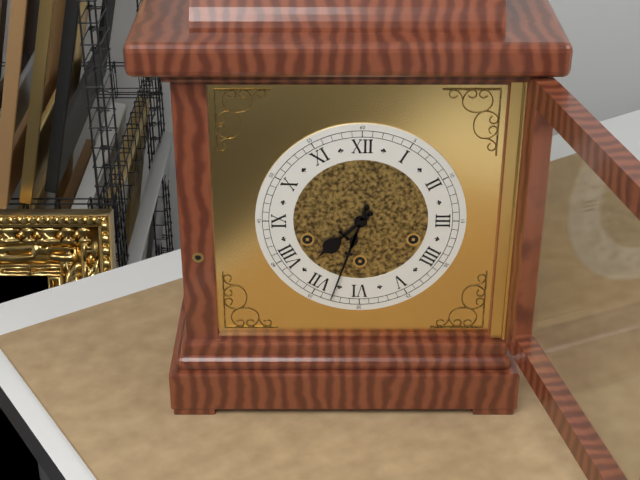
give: {"hour": 7, "minute": 33}
